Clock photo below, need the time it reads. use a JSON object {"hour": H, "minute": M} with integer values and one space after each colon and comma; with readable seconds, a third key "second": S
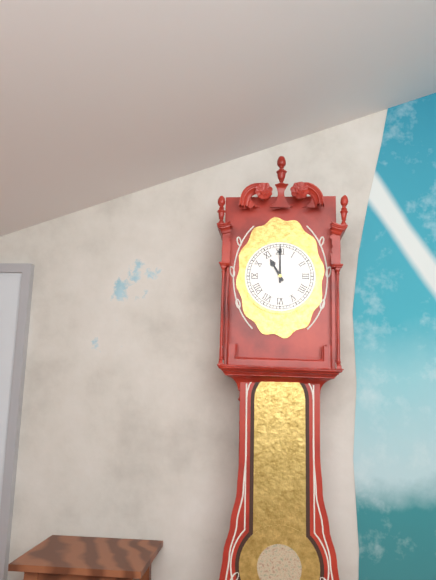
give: {"hour": 11, "minute": 0}
